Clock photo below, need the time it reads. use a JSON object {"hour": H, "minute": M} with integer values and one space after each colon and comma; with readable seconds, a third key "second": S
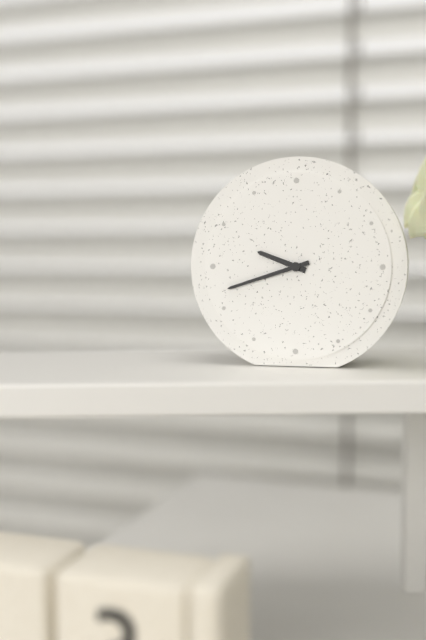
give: {"hour": 9, "minute": 42}
